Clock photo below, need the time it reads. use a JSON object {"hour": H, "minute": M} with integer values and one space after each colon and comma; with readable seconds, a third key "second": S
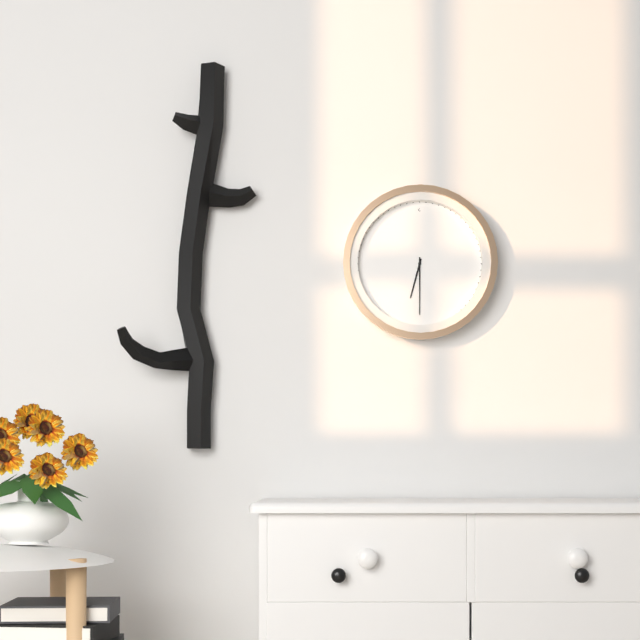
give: {"hour": 6, "minute": 30}
